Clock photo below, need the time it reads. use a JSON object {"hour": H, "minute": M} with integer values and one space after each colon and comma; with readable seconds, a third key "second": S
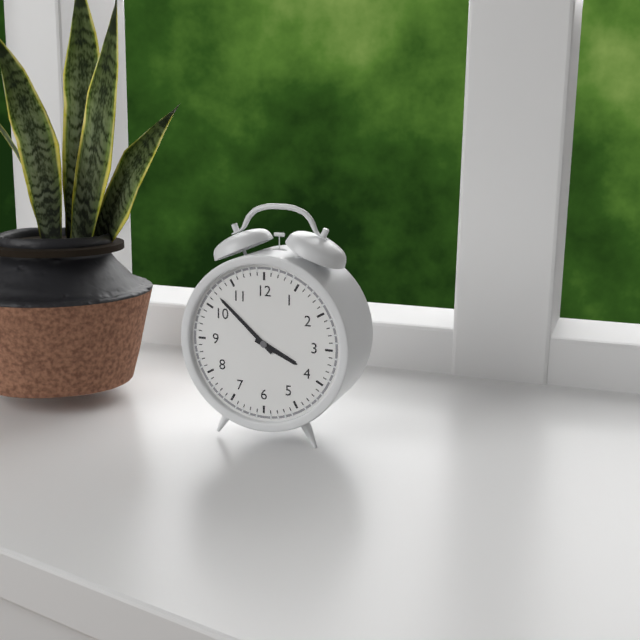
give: {"hour": 3, "minute": 52}
